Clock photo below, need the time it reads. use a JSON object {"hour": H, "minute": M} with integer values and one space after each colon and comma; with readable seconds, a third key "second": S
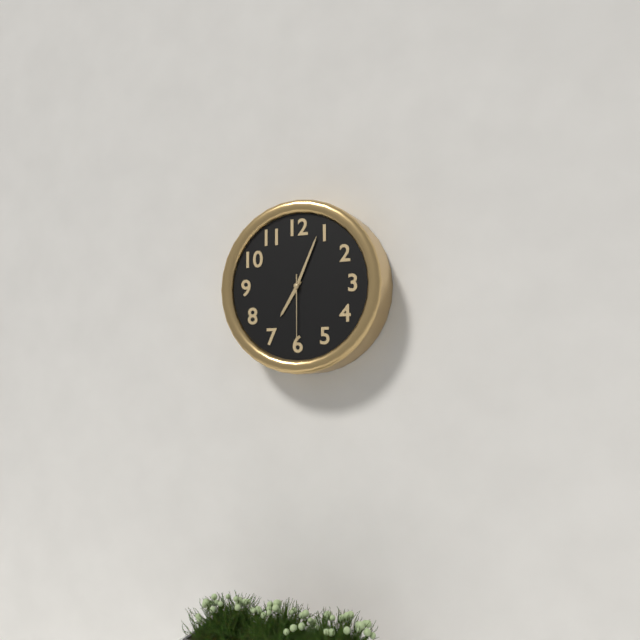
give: {"hour": 7, "minute": 4, "second": 30}
